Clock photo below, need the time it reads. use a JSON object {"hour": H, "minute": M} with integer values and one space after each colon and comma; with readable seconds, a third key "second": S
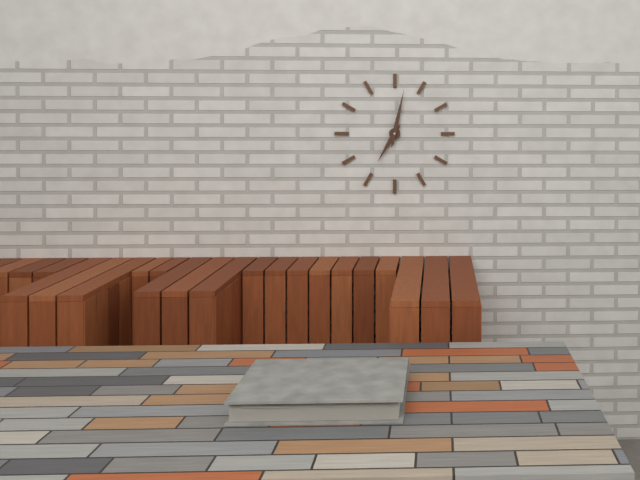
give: {"hour": 7, "minute": 2}
